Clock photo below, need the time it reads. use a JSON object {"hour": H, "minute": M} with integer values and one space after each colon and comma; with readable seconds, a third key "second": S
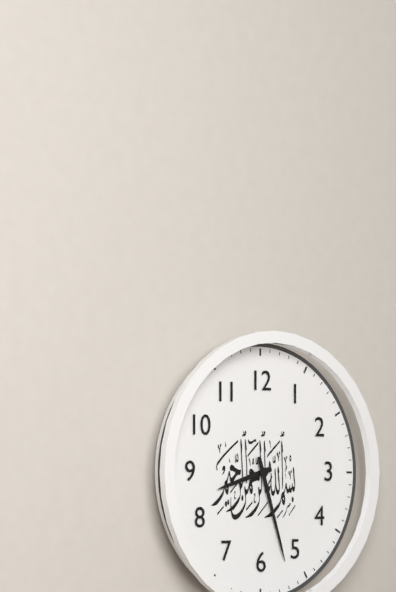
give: {"hour": 8, "minute": 27}
